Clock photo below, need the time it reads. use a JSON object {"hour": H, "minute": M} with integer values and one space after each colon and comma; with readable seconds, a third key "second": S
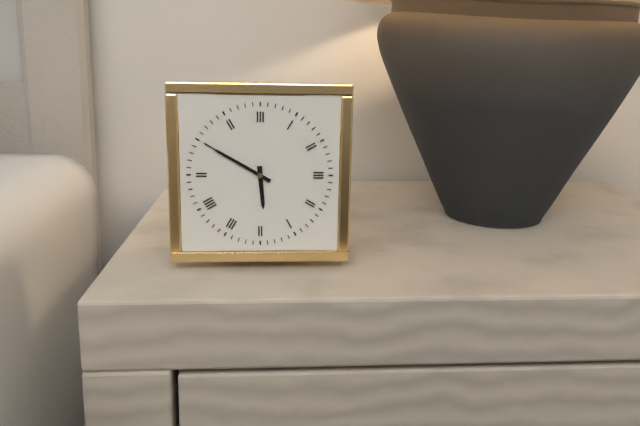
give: {"hour": 5, "minute": 50}
